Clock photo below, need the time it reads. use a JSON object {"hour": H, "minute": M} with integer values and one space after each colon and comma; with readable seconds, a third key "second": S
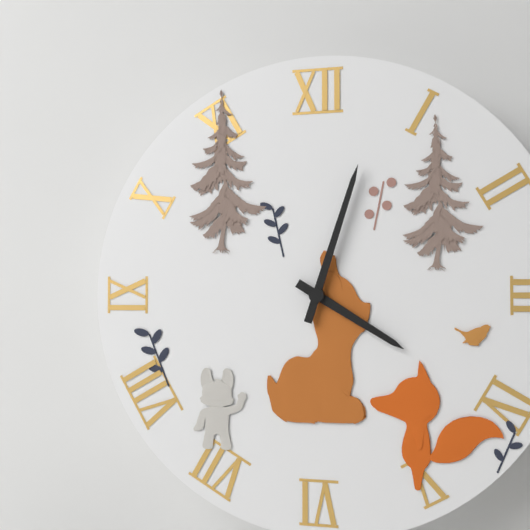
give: {"hour": 4, "minute": 3}
